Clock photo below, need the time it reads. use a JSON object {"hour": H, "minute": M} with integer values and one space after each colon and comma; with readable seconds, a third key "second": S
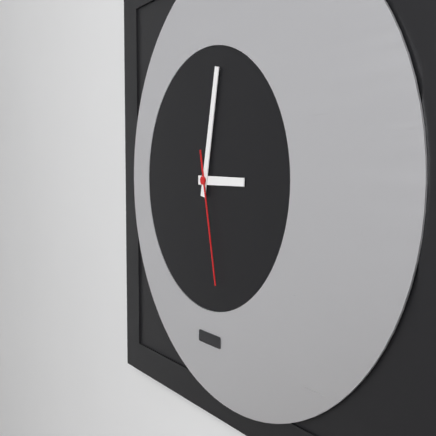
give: {"hour": 3, "minute": 2, "second": 28}
